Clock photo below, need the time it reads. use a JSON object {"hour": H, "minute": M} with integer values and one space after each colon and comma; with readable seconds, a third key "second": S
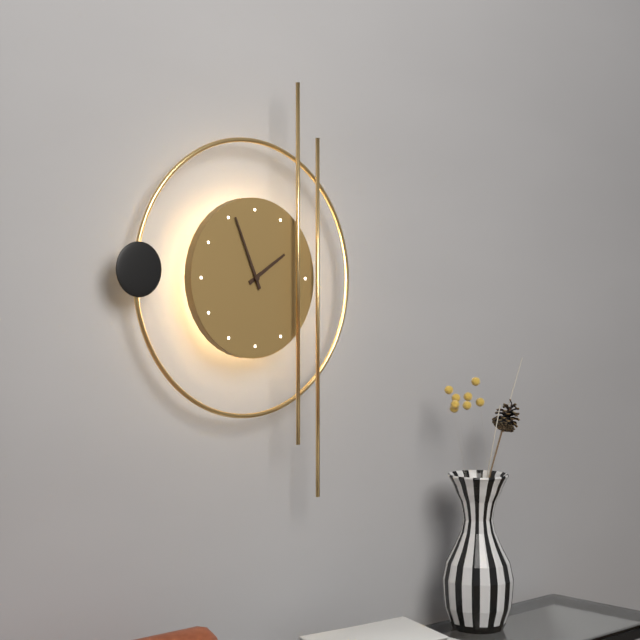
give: {"hour": 1, "minute": 56}
